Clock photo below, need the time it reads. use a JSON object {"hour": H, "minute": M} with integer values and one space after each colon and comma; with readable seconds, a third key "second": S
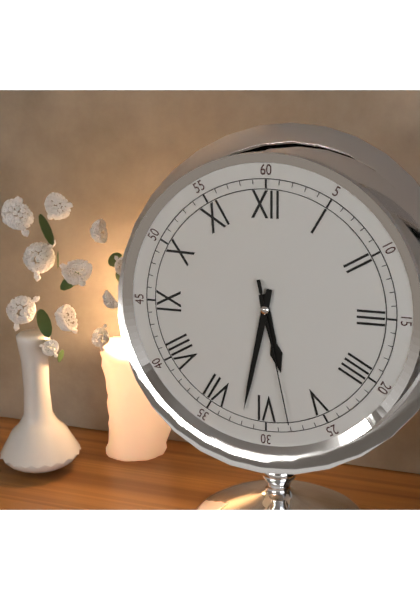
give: {"hour": 5, "minute": 32, "second": 28}
